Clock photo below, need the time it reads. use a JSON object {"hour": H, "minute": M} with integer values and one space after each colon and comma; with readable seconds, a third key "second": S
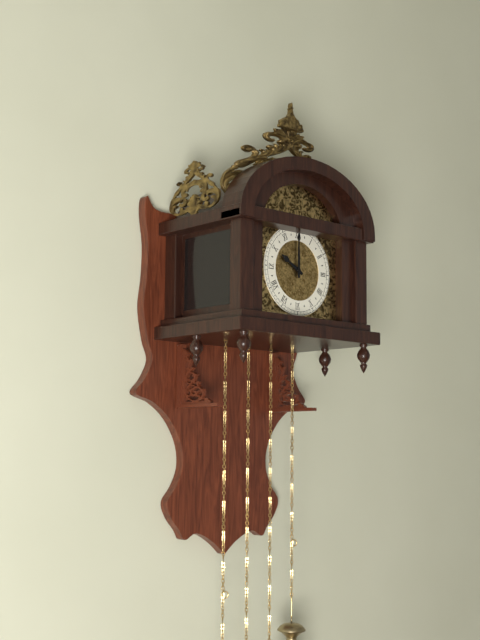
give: {"hour": 10, "minute": 0}
